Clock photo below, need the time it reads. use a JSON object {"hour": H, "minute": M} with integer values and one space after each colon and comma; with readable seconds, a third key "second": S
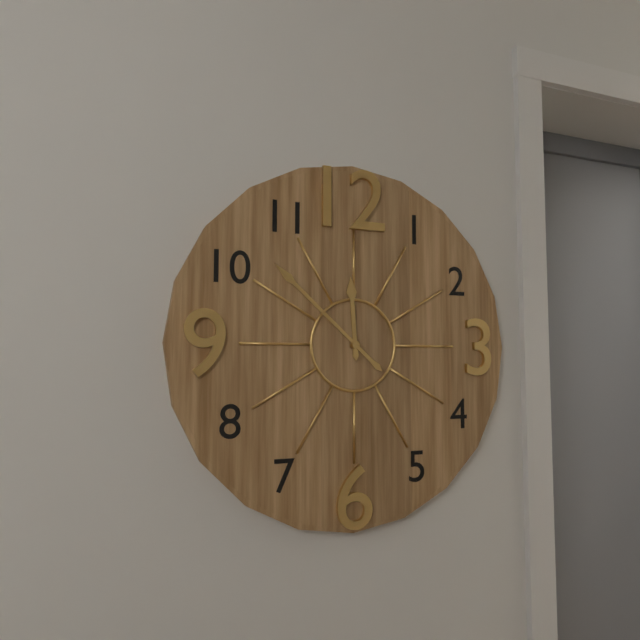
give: {"hour": 11, "minute": 52}
